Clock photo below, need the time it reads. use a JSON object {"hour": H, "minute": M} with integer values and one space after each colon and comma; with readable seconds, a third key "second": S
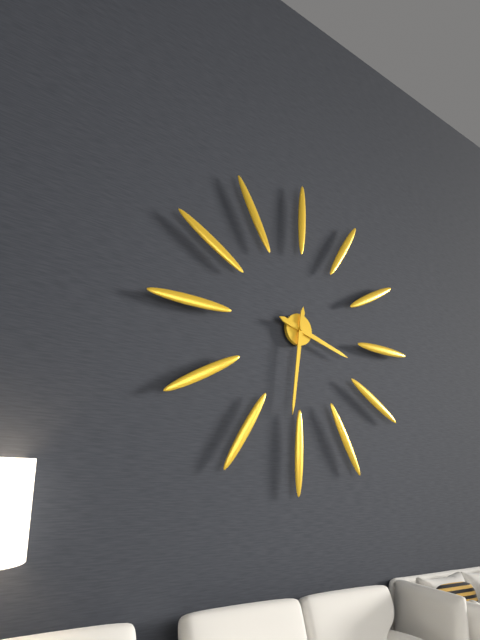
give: {"hour": 3, "minute": 31}
